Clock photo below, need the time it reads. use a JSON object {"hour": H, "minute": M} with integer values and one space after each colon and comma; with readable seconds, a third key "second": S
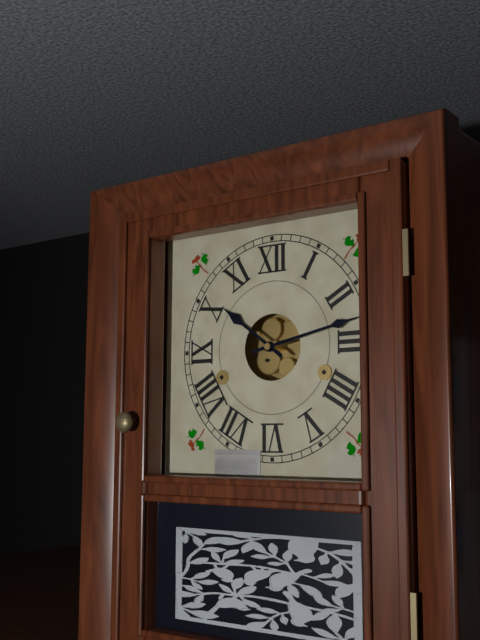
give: {"hour": 10, "minute": 13}
